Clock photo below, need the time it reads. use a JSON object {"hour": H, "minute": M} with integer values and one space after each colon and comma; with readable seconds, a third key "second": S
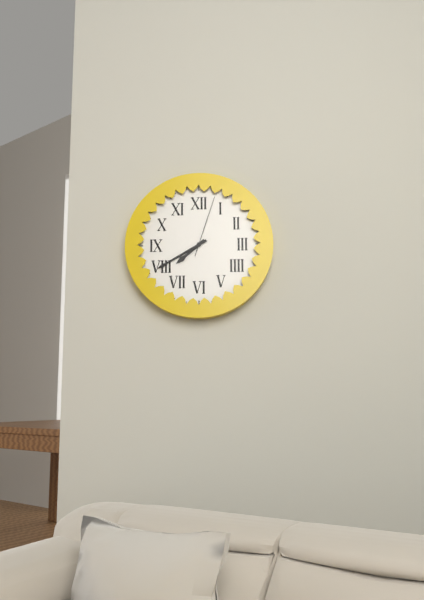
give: {"hour": 7, "minute": 40, "second": 3}
